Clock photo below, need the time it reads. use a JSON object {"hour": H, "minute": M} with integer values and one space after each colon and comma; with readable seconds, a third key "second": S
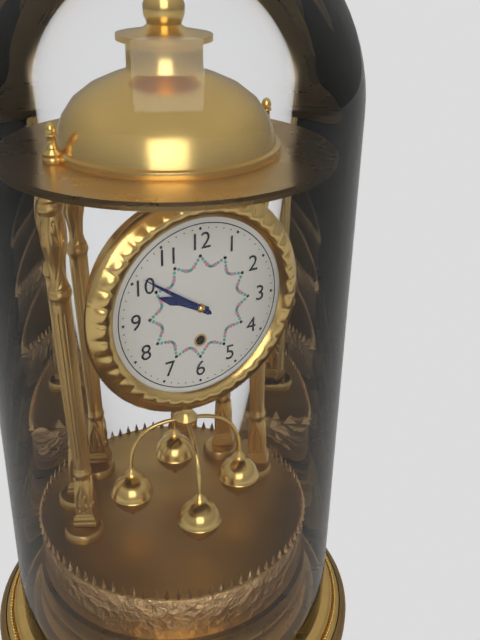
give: {"hour": 9, "minute": 51}
